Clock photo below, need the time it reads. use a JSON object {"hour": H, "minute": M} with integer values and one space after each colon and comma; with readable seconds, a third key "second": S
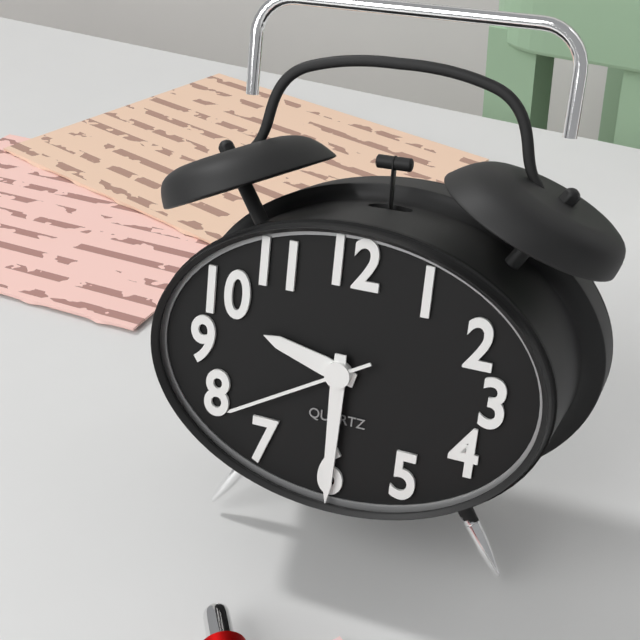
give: {"hour": 9, "minute": 30, "second": 40}
